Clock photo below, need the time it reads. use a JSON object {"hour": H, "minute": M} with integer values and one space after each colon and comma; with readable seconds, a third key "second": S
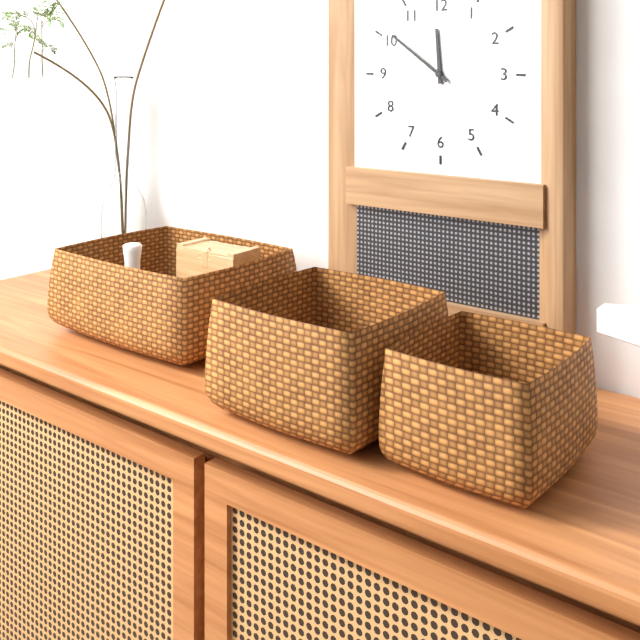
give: {"hour": 11, "minute": 51}
